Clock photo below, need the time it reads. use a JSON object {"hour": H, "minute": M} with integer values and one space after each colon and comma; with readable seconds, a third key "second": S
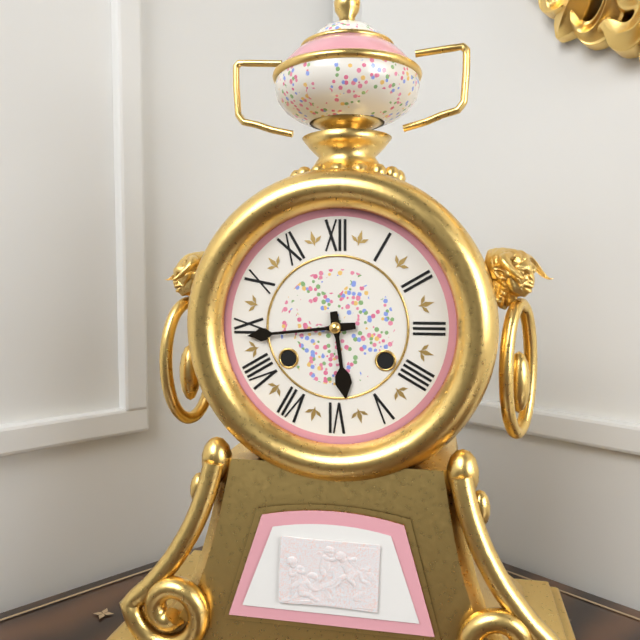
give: {"hour": 5, "minute": 44}
